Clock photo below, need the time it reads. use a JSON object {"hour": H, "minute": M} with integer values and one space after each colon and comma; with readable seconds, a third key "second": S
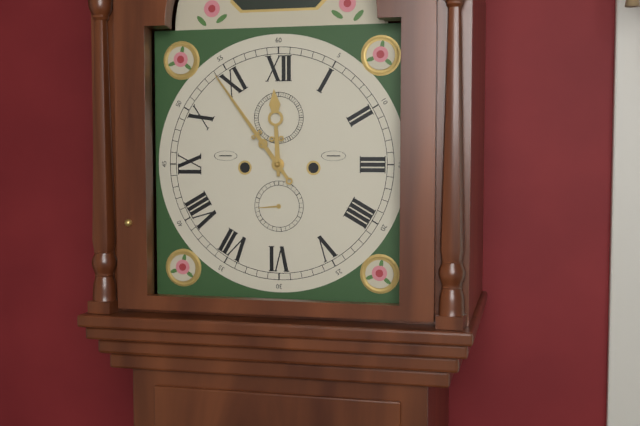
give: {"hour": 11, "minute": 54}
